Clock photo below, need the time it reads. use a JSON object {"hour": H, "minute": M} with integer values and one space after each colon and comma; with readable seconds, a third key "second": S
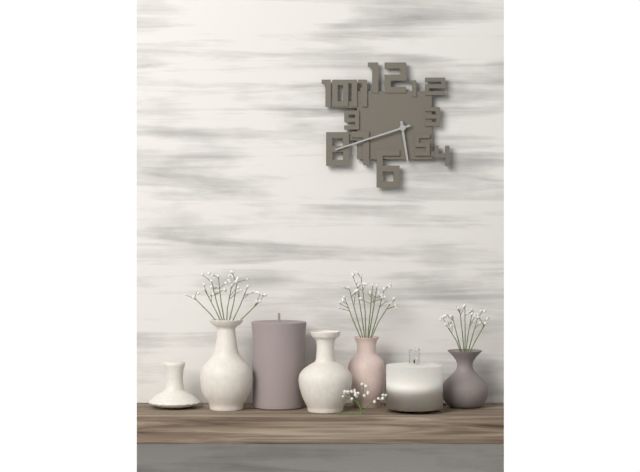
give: {"hour": 5, "minute": 42}
